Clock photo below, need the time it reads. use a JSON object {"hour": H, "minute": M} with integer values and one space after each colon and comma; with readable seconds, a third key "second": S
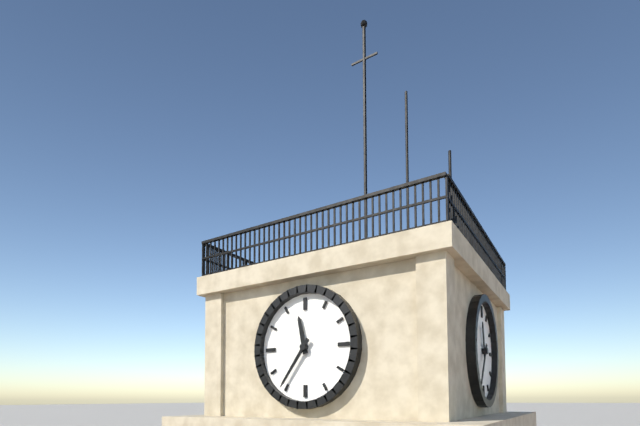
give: {"hour": 11, "minute": 36}
